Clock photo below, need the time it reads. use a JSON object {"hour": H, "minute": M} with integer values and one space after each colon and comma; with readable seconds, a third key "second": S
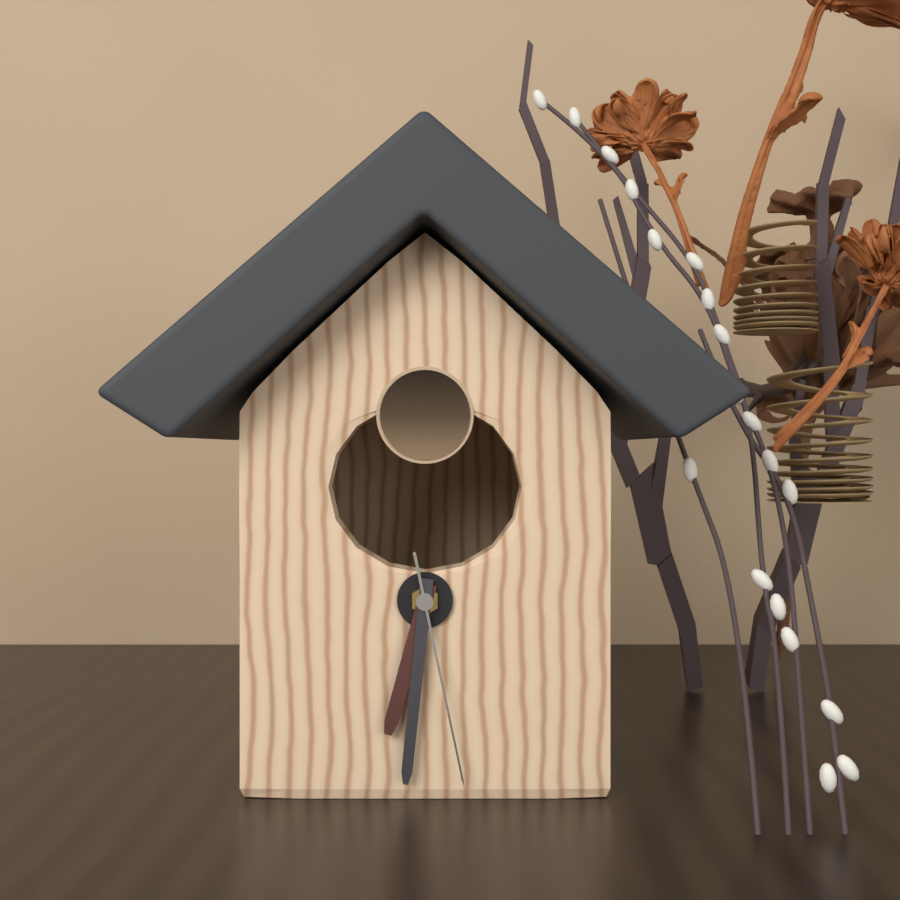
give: {"hour": 6, "minute": 31, "second": 28}
